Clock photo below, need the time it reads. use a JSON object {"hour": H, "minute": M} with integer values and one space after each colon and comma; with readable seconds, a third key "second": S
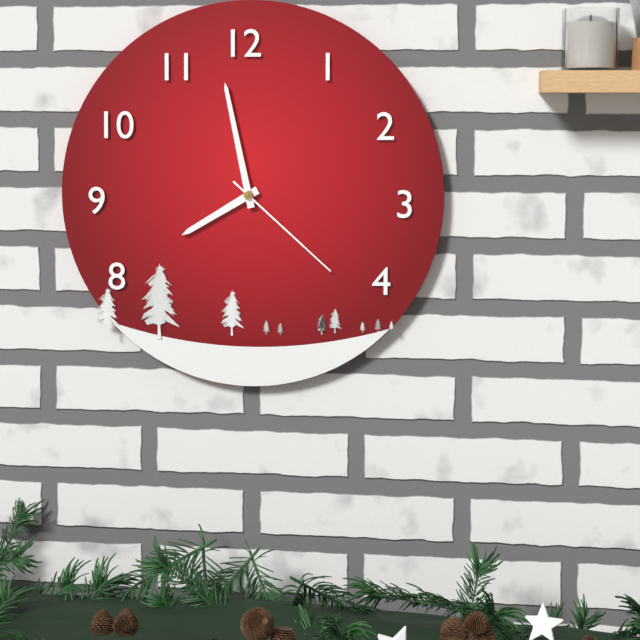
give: {"hour": 7, "minute": 58, "second": 22}
